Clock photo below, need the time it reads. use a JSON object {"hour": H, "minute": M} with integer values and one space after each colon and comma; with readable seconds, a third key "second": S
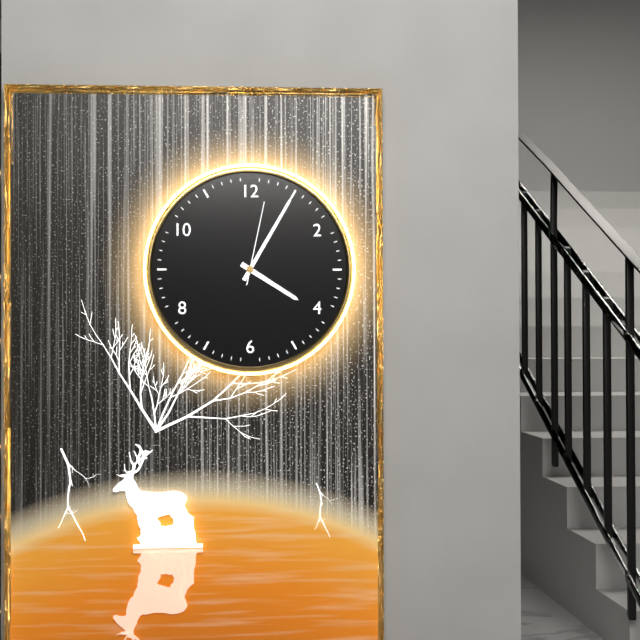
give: {"hour": 4, "minute": 5, "second": 2}
